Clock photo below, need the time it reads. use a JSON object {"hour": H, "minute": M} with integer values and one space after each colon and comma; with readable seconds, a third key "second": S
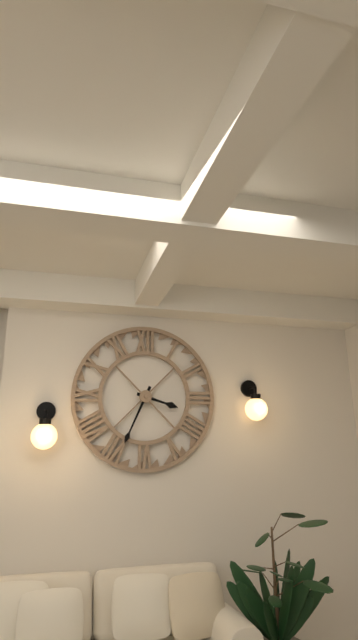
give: {"hour": 3, "minute": 34}
